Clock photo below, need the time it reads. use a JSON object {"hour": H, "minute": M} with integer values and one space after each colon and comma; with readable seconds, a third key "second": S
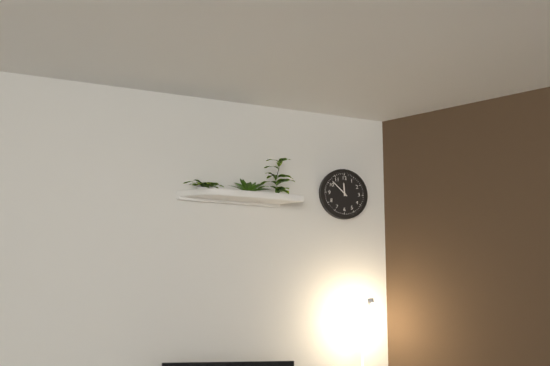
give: {"hour": 11, "minute": 52}
